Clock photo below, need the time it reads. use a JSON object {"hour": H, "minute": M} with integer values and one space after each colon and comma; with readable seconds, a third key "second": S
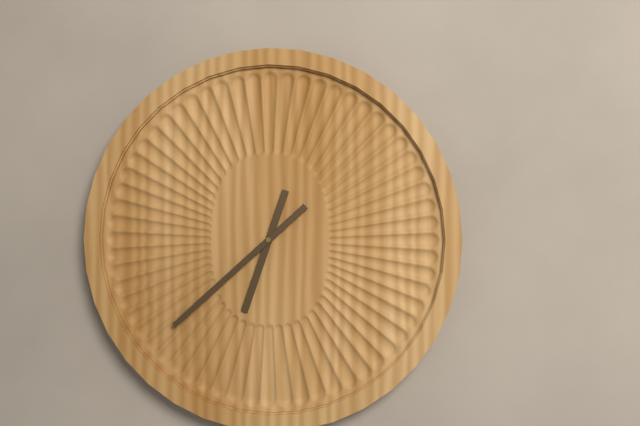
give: {"hour": 6, "minute": 38}
